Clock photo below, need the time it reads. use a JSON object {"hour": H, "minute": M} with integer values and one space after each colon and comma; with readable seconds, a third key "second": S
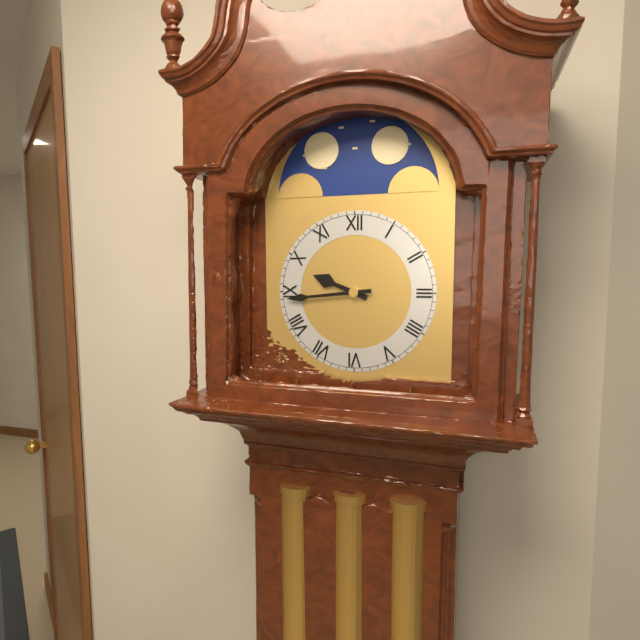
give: {"hour": 9, "minute": 44}
